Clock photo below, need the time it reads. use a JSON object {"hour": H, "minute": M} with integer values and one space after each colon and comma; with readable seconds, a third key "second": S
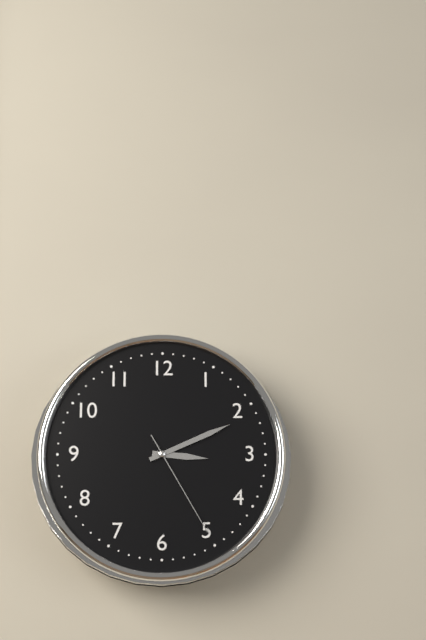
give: {"hour": 3, "minute": 11, "second": 25}
